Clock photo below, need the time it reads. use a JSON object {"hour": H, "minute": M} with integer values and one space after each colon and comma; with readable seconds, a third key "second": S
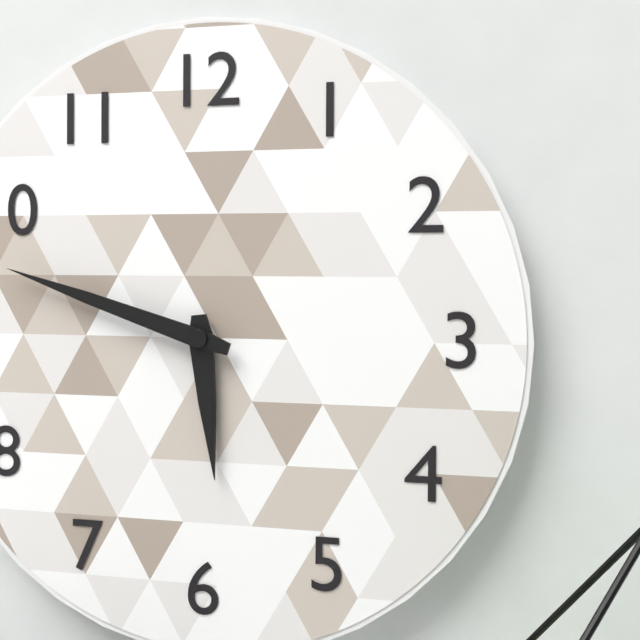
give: {"hour": 5, "minute": 48}
